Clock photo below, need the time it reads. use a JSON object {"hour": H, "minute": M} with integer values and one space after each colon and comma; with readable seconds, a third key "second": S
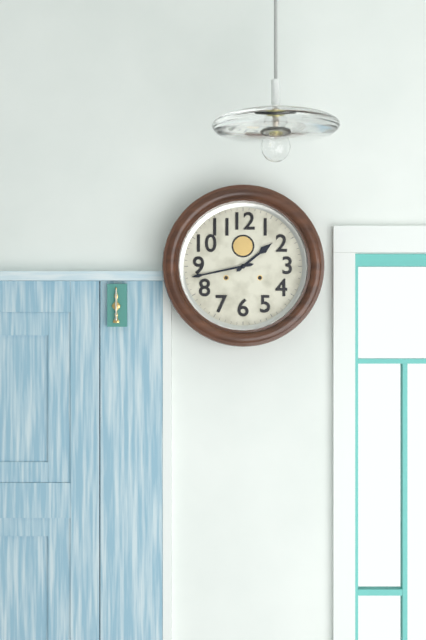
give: {"hour": 1, "minute": 43}
